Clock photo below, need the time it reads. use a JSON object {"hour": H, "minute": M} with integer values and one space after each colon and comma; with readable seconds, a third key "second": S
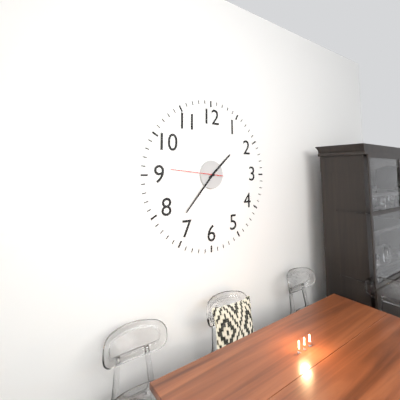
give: {"hour": 1, "minute": 37, "second": 46}
